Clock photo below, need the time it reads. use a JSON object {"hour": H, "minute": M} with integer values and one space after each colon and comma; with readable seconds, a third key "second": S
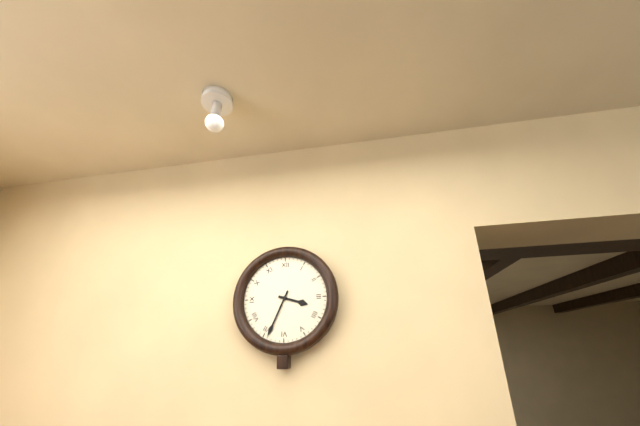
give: {"hour": 3, "minute": 34}
